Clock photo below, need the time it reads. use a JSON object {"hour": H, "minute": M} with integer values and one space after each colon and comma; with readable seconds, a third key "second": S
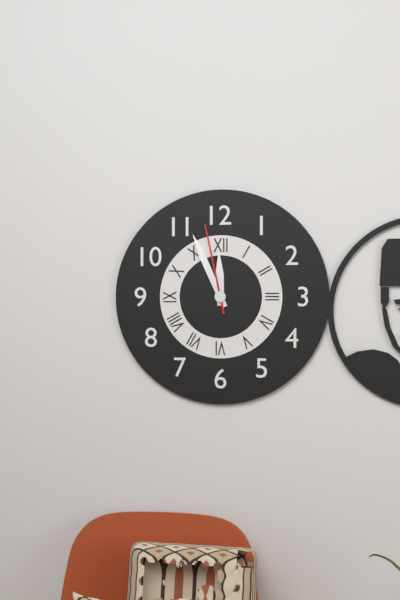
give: {"hour": 11, "minute": 56, "second": 58}
